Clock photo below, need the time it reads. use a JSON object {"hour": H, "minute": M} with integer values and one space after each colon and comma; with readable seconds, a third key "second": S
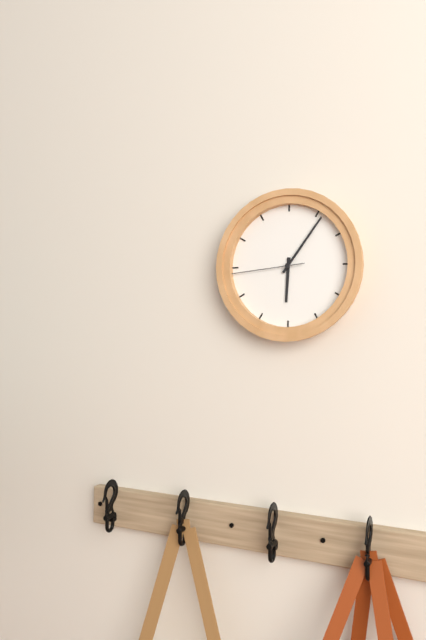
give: {"hour": 6, "minute": 6, "second": 44}
